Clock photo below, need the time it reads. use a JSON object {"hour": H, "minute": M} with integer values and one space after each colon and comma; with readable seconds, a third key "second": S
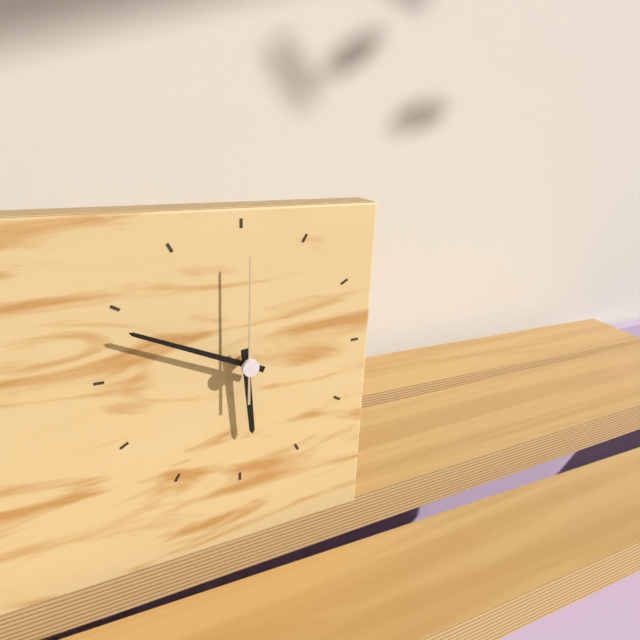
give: {"hour": 5, "minute": 49, "second": 0}
